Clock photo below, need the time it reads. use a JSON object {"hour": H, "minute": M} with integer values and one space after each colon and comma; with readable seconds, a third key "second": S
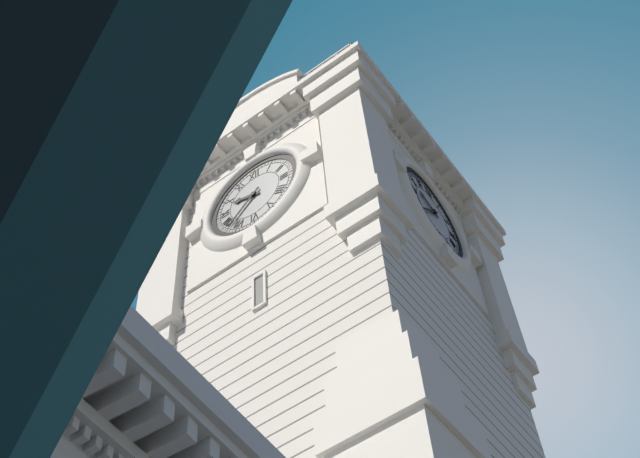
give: {"hour": 9, "minute": 38}
